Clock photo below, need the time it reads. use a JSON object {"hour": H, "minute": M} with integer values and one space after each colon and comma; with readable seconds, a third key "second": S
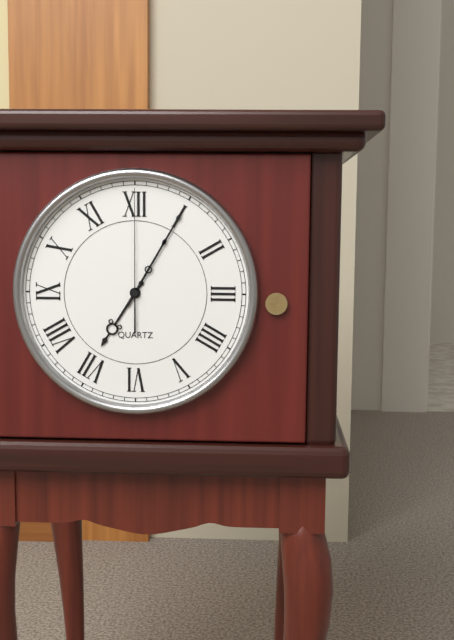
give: {"hour": 7, "minute": 5, "second": 0}
